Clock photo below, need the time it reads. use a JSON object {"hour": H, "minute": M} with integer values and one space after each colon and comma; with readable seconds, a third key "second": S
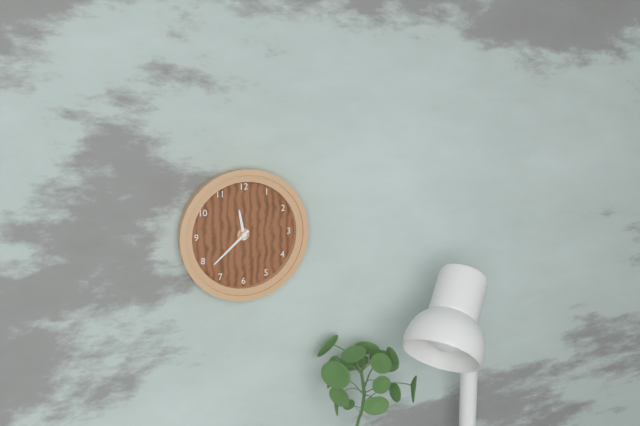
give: {"hour": 11, "minute": 38}
